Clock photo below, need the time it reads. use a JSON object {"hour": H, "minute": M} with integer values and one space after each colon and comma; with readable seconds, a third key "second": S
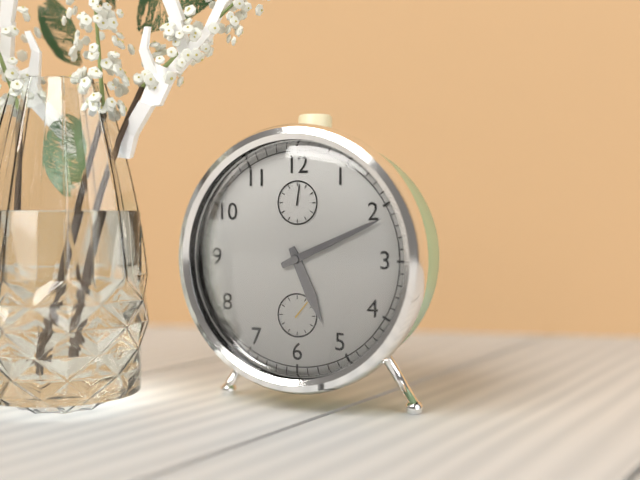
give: {"hour": 5, "minute": 11}
